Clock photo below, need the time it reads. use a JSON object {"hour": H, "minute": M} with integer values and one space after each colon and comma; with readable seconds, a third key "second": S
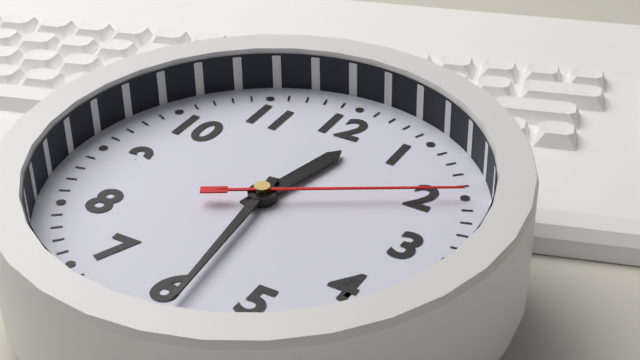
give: {"hour": 12, "minute": 29, "second": 10}
